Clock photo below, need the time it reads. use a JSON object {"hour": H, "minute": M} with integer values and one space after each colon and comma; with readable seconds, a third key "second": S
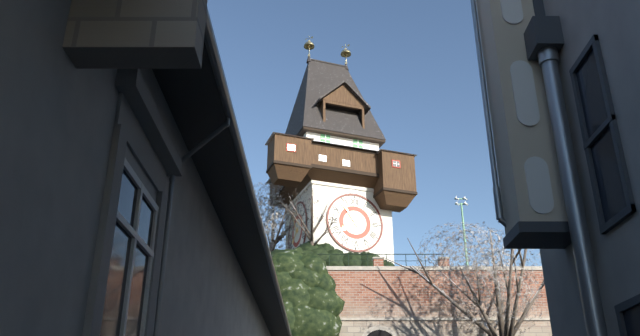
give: {"hour": 7, "minute": 54}
